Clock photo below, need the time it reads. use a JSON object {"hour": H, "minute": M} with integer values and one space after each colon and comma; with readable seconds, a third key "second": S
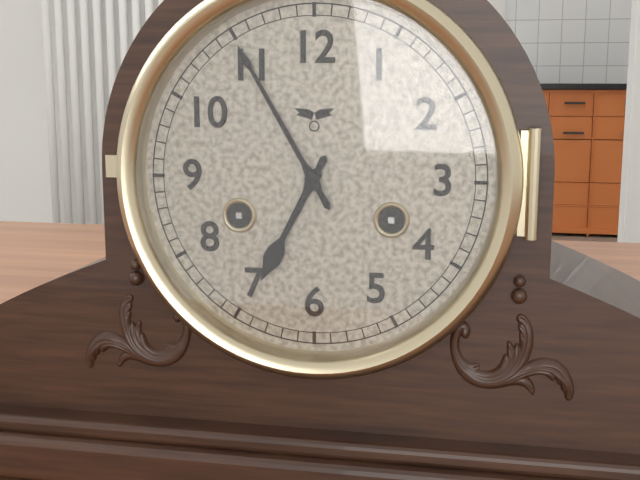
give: {"hour": 6, "minute": 55}
